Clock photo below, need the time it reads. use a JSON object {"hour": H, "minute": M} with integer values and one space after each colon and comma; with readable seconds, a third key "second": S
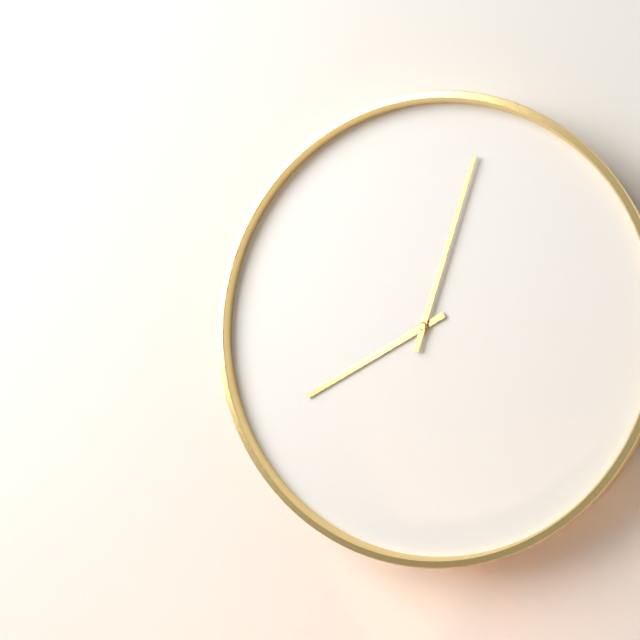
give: {"hour": 8, "minute": 3}
